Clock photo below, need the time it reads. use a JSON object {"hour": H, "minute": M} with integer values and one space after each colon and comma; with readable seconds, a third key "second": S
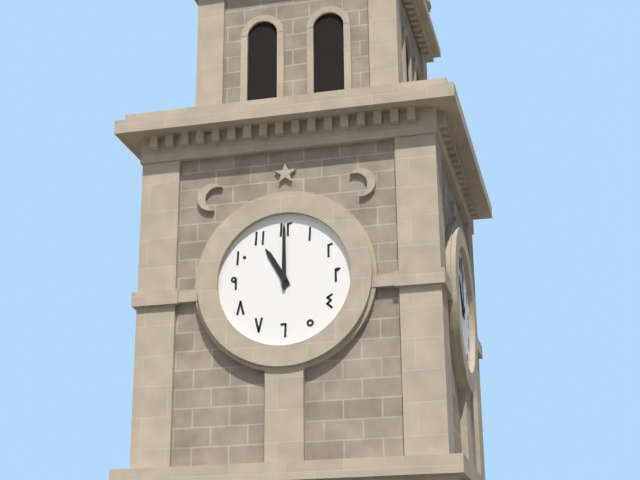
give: {"hour": 11, "minute": 0}
